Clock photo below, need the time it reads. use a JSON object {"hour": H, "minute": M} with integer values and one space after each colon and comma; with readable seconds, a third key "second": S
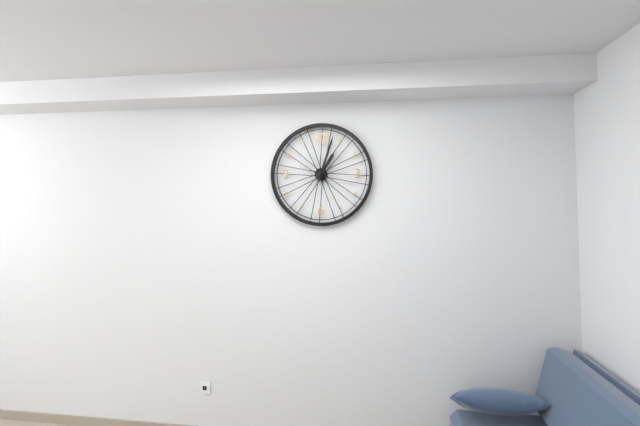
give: {"hour": 1, "minute": 3}
